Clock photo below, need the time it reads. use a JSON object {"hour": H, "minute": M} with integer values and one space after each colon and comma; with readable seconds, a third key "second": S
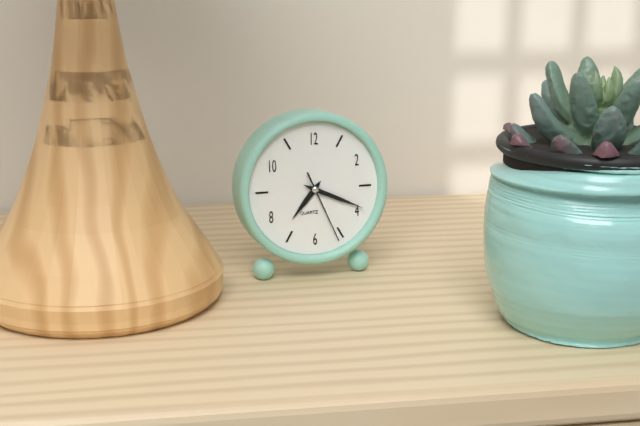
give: {"hour": 7, "minute": 19, "second": 26}
